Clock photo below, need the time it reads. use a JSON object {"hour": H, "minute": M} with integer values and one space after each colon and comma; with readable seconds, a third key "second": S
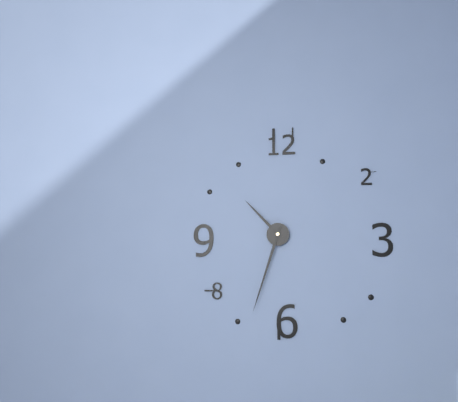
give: {"hour": 10, "minute": 33}
